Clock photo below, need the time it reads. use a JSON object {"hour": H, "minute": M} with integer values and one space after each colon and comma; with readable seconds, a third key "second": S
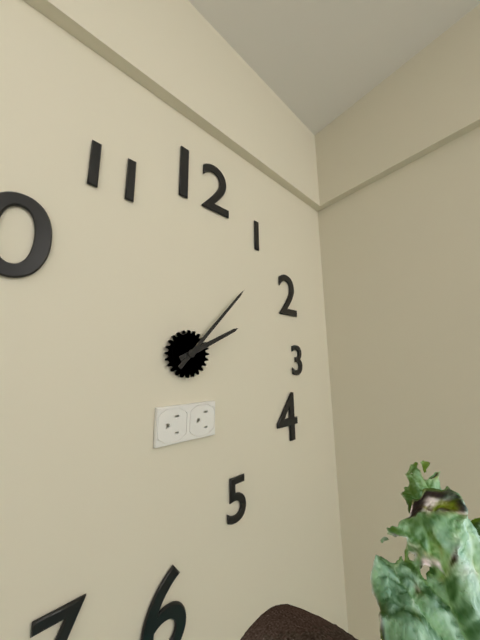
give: {"hour": 2, "minute": 7}
